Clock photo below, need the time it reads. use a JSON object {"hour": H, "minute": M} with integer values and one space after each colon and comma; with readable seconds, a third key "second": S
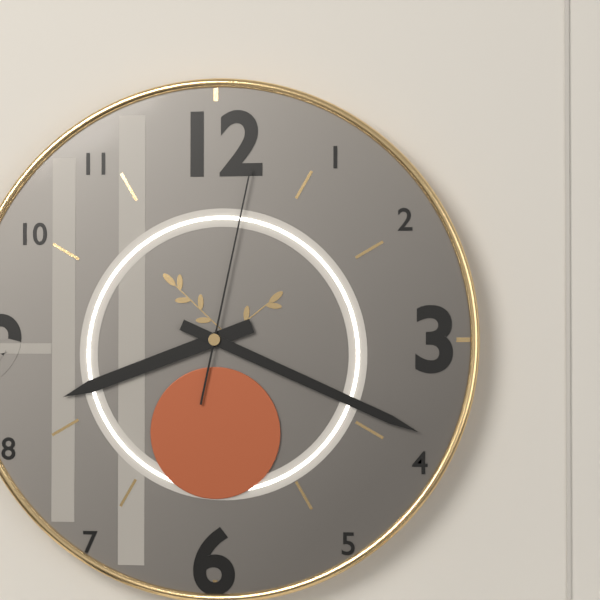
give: {"hour": 8, "minute": 19, "second": 2}
